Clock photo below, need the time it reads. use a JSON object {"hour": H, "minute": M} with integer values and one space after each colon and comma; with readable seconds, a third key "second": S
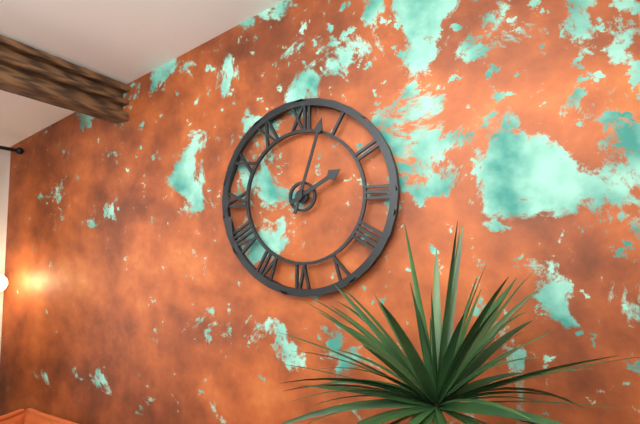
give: {"hour": 2, "minute": 3}
